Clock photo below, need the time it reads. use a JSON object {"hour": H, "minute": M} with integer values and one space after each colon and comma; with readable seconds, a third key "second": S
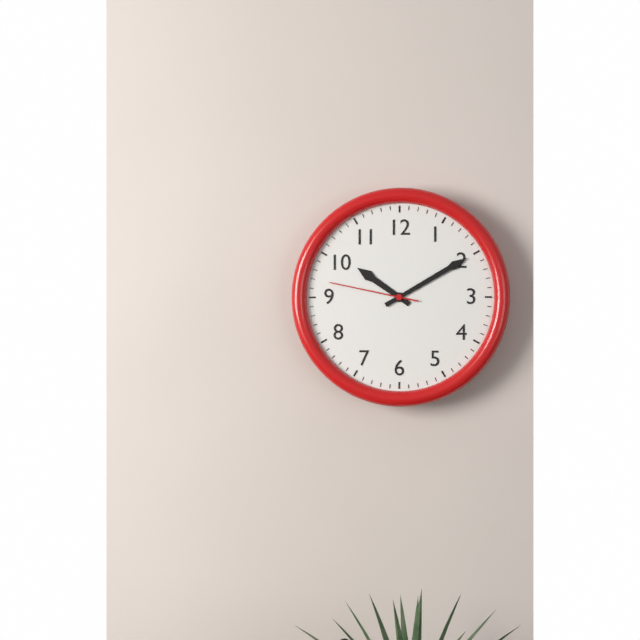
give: {"hour": 10, "minute": 10, "second": 47}
